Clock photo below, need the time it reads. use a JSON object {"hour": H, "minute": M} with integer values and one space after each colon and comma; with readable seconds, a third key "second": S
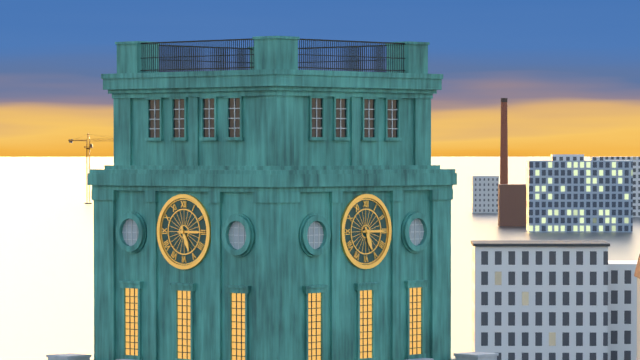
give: {"hour": 5, "minute": 15}
